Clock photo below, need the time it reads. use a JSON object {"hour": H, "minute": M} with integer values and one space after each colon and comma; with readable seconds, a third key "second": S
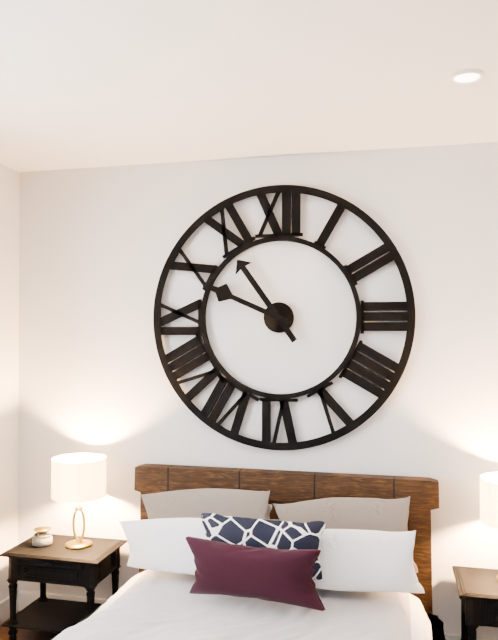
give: {"hour": 10, "minute": 49}
